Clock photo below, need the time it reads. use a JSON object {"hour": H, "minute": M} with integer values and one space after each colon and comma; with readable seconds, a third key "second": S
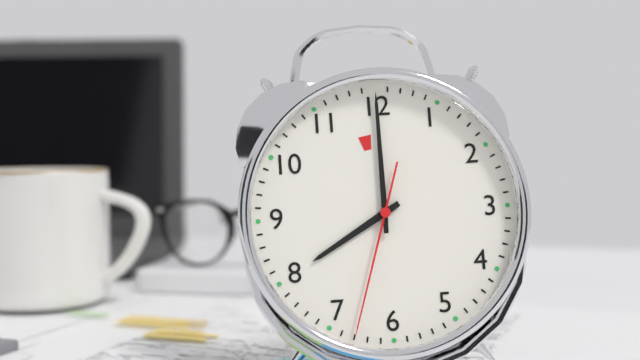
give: {"hour": 8, "minute": 0, "second": 33}
